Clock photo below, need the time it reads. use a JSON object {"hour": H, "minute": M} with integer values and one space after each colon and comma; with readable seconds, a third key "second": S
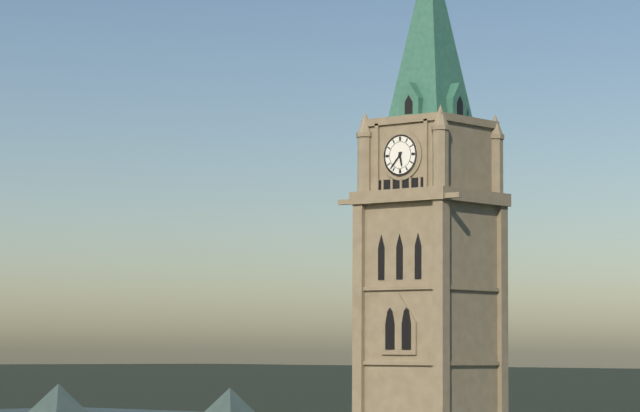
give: {"hour": 5, "minute": 37}
